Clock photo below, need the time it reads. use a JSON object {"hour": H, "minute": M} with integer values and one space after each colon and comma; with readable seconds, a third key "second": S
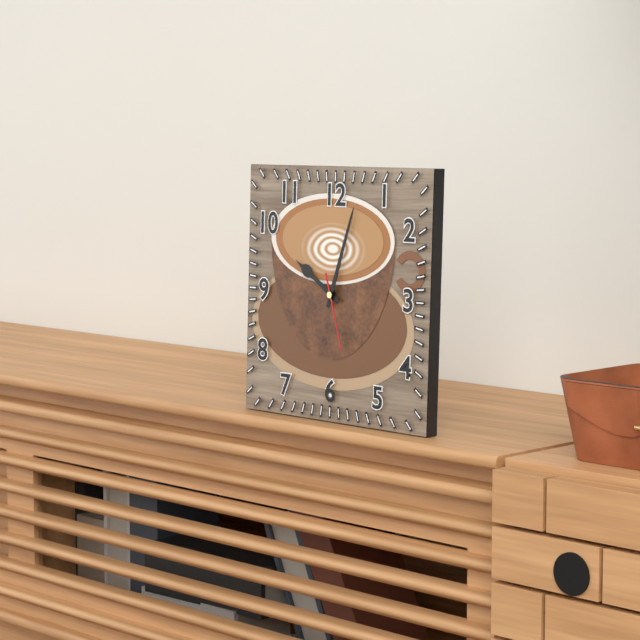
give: {"hour": 10, "minute": 3, "second": 27}
